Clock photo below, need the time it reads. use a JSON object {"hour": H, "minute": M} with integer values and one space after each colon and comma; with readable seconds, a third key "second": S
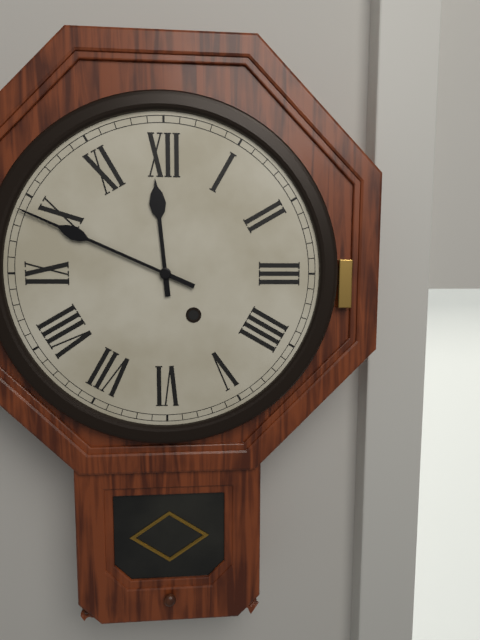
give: {"hour": 11, "minute": 49}
